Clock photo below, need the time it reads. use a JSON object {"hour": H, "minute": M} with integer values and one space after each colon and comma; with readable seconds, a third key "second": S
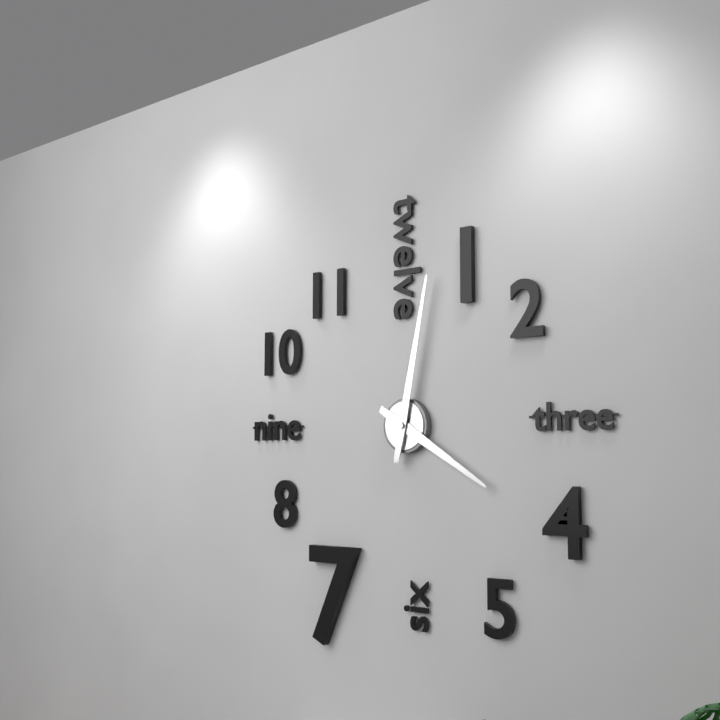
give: {"hour": 4, "minute": 2}
